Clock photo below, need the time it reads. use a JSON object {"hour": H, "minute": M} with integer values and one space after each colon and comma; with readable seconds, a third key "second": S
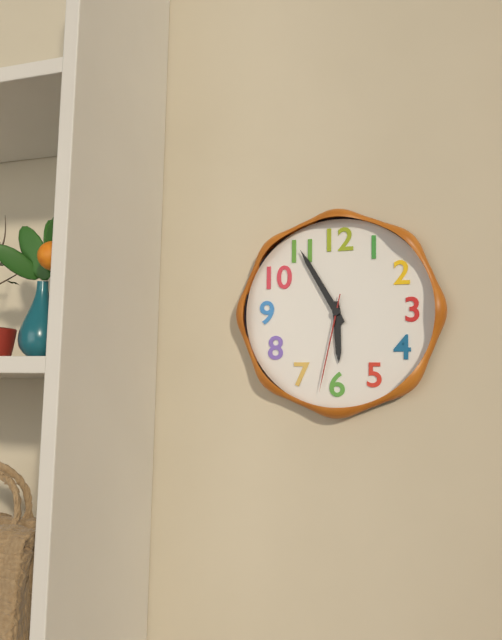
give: {"hour": 5, "minute": 55, "second": 32}
